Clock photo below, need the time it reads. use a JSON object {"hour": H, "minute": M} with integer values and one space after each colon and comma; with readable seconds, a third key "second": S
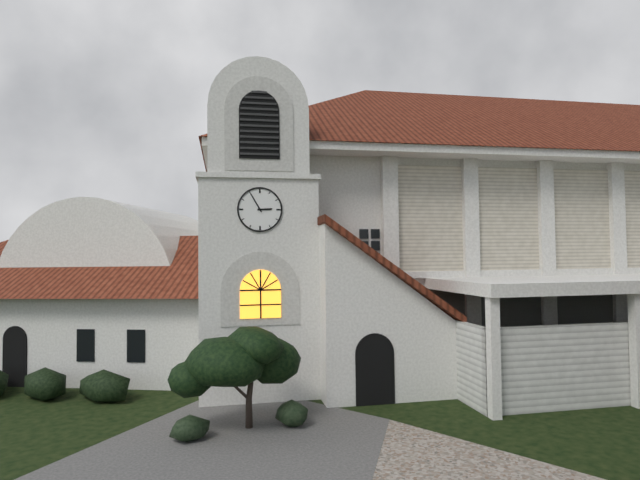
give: {"hour": 2, "minute": 55}
